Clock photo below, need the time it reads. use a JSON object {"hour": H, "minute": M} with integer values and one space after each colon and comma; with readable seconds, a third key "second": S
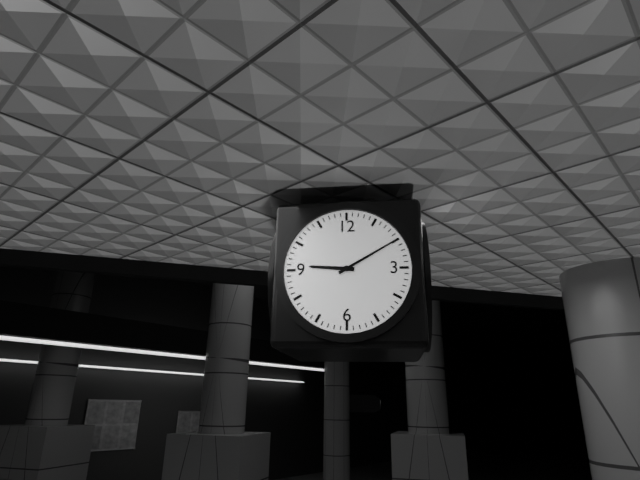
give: {"hour": 9, "minute": 10}
